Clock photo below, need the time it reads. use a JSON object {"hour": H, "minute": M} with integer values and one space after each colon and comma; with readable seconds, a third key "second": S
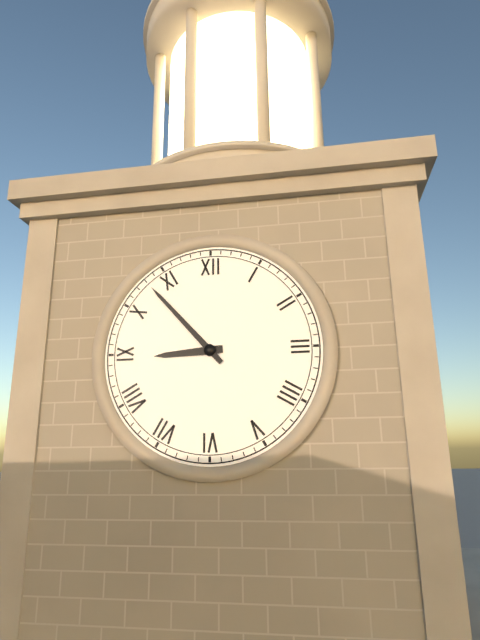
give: {"hour": 8, "minute": 53}
